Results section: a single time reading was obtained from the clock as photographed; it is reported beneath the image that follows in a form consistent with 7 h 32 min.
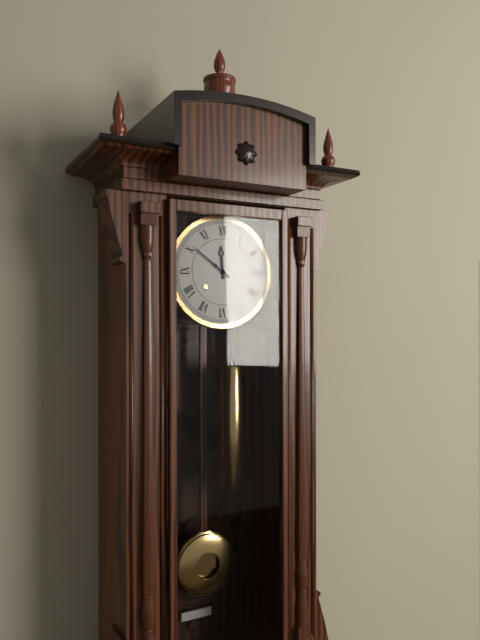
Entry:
11 h 51 min
